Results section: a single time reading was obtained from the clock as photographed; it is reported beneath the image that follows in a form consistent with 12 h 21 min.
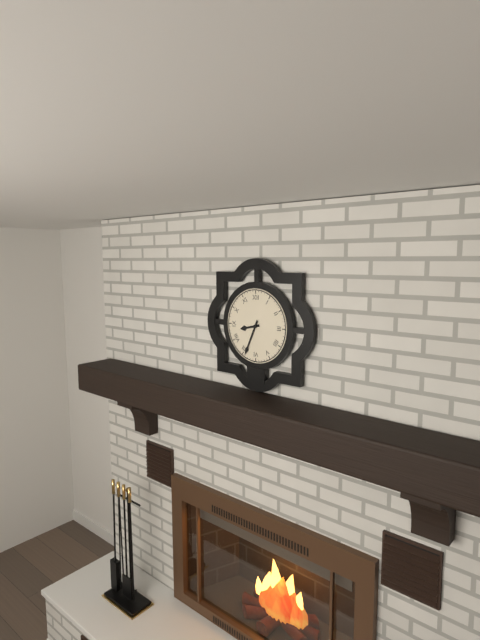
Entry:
8 h 34 min
